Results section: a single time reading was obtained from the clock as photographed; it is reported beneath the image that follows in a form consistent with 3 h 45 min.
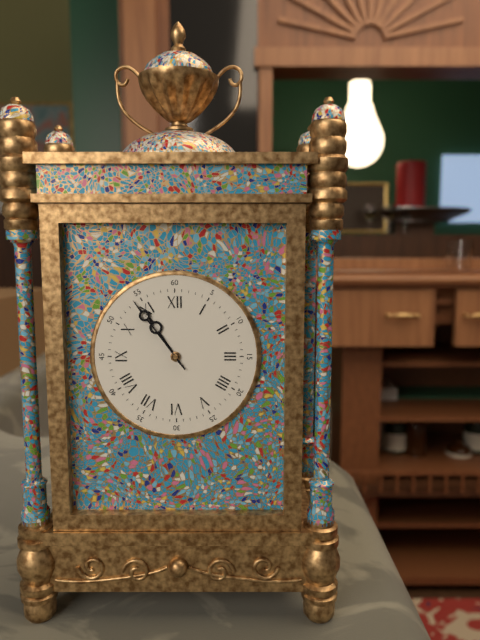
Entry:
10 h 54 min
